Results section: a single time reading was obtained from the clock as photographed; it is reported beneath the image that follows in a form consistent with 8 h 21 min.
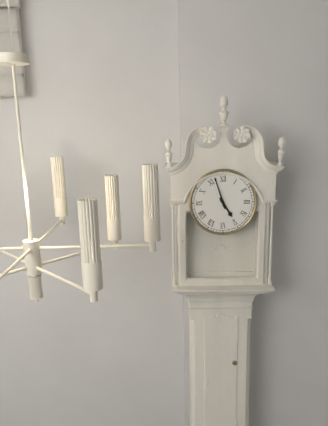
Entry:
4 h 57 min
